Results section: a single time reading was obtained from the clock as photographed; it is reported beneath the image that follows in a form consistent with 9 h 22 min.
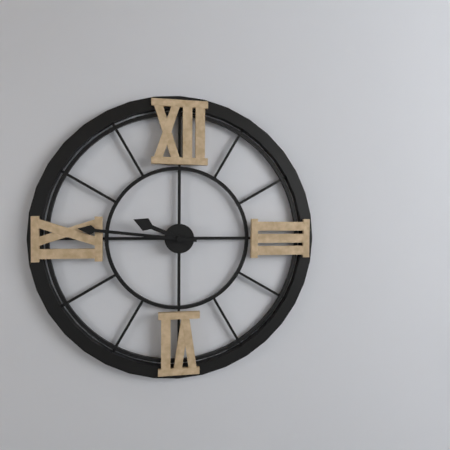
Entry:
9 h 46 min
